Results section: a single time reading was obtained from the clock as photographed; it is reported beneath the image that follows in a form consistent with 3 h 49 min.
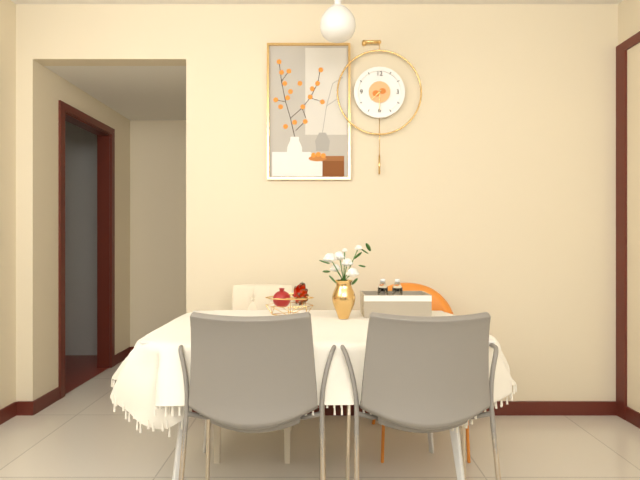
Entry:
7 h 30 min
